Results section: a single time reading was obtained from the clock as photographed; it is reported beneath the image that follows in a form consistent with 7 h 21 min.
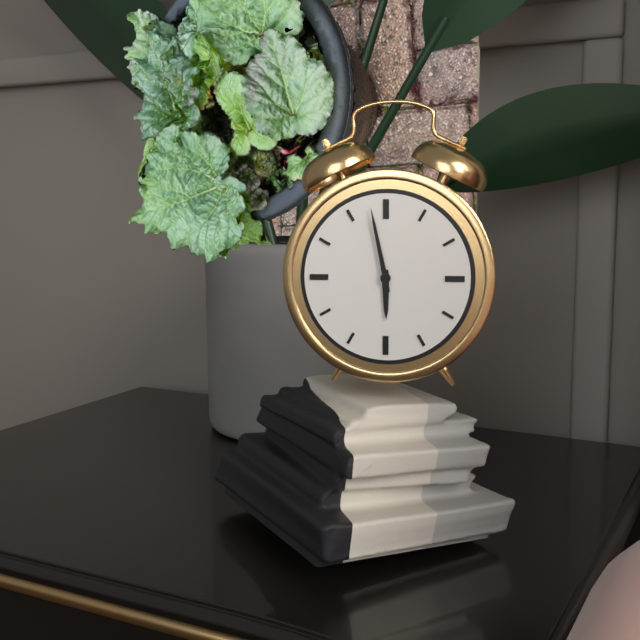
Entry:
5 h 58 min
